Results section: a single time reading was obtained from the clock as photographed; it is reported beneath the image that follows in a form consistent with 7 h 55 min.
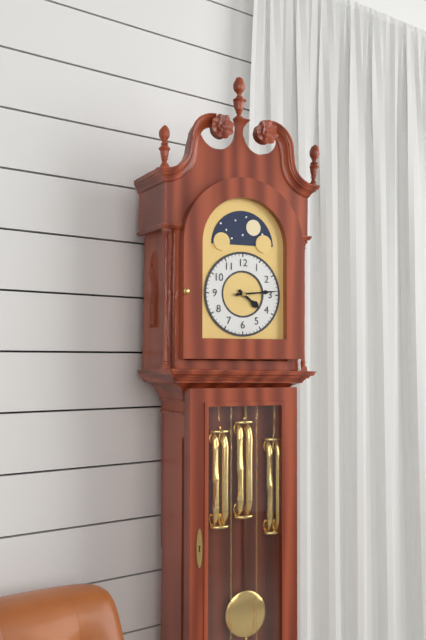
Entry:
4 h 14 min
